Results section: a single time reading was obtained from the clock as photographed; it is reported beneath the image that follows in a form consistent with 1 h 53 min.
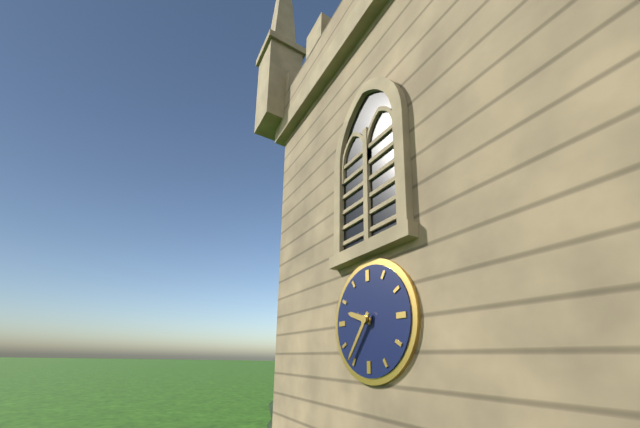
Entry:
9 h 36 min
